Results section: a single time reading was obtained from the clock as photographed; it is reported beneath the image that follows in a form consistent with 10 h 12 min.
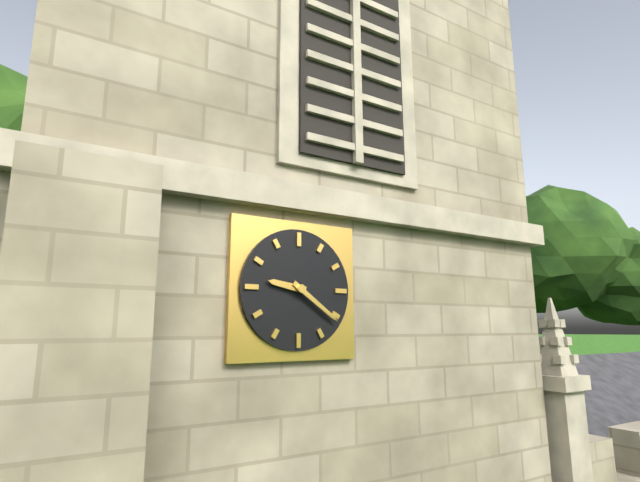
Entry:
9 h 21 min
